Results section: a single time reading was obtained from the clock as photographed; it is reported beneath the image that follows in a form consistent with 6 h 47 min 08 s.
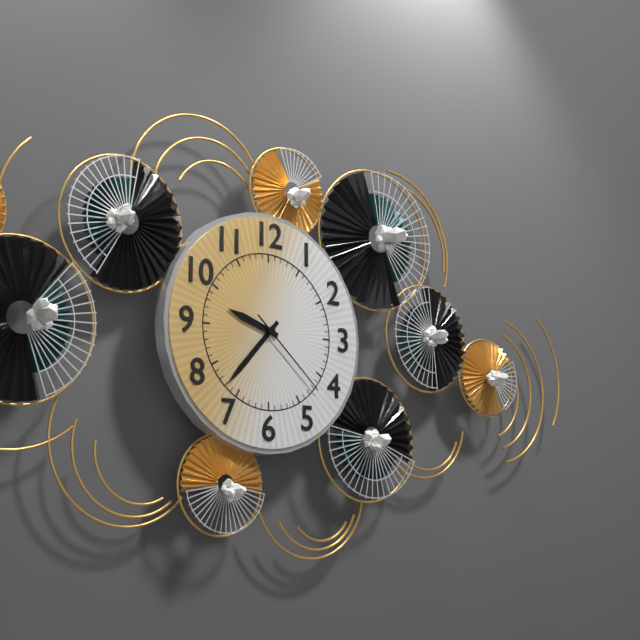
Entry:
9 h 37 min 22 s
